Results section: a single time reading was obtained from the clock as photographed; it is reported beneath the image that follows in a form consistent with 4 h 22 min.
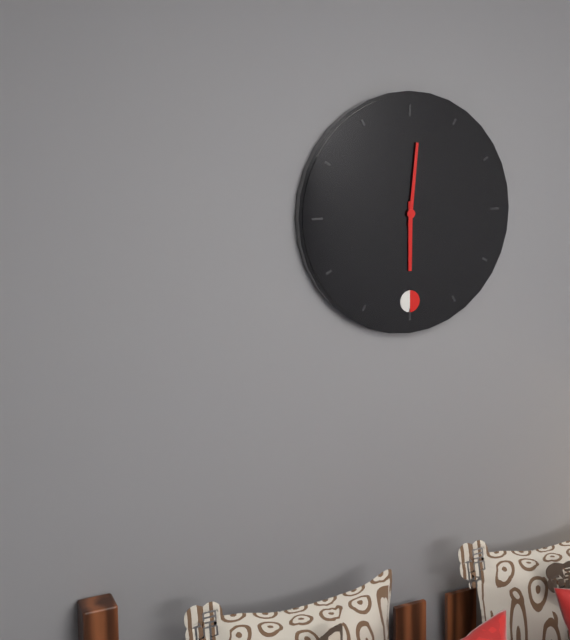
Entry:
6 h 01 min
